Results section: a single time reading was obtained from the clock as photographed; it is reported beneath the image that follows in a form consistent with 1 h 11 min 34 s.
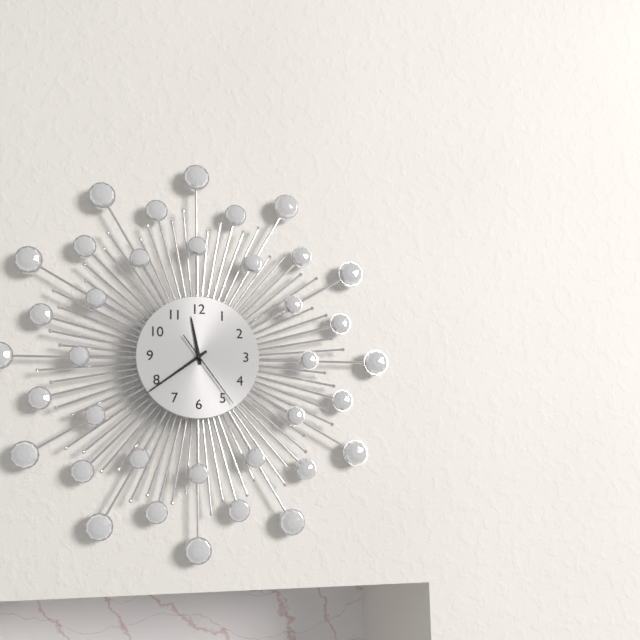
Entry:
11 h 39 min 24 s
